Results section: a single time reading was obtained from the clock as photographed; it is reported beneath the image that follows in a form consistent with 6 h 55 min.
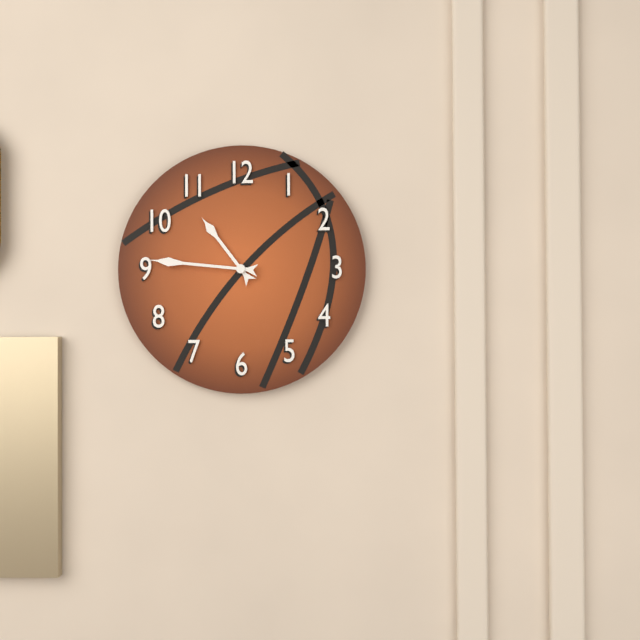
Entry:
10 h 46 min
